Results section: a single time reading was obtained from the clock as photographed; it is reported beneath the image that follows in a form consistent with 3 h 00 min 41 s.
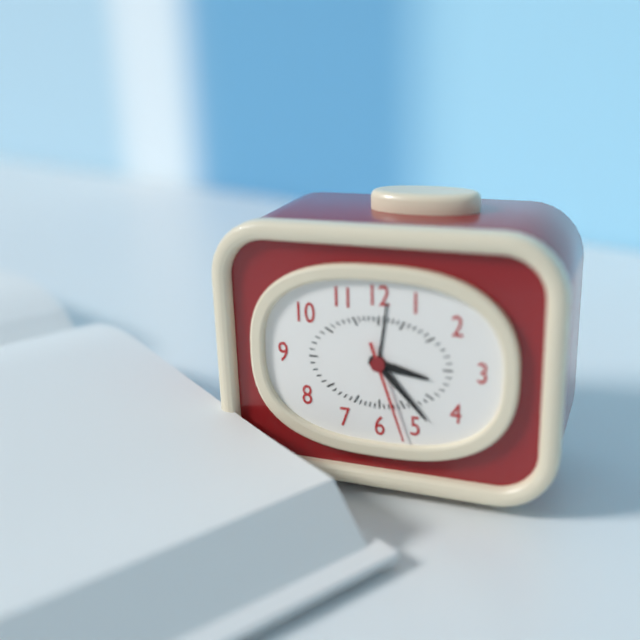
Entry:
3 h 23 min 27 s
